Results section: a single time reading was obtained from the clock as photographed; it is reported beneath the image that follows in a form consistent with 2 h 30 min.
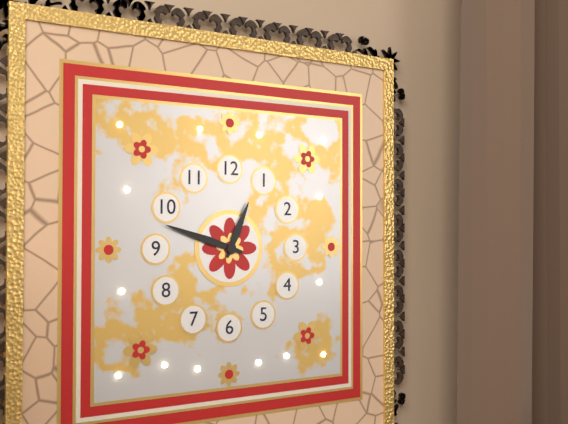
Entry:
12 h 48 min
